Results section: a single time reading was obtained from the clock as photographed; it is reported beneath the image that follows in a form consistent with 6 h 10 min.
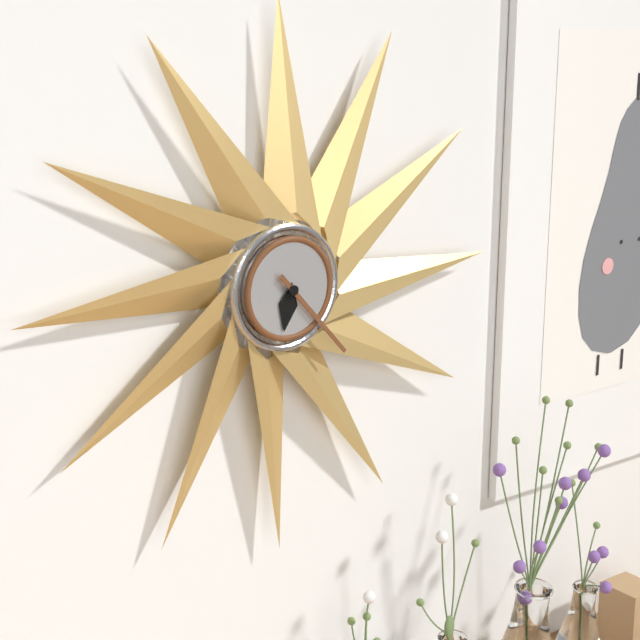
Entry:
6 h 23 min
